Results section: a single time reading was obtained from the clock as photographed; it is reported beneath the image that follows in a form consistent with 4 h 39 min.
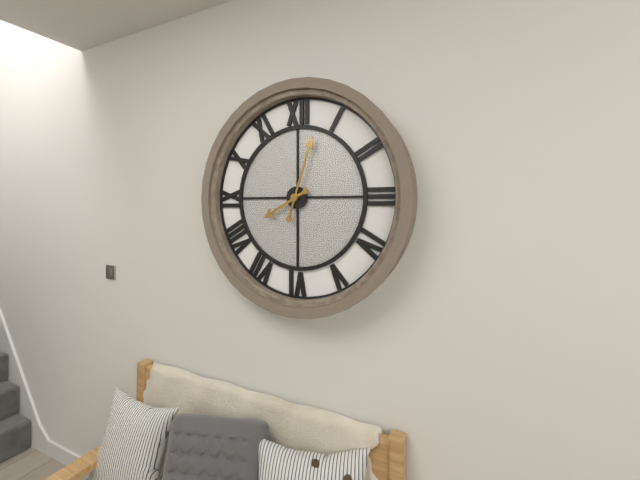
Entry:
8 h 03 min
